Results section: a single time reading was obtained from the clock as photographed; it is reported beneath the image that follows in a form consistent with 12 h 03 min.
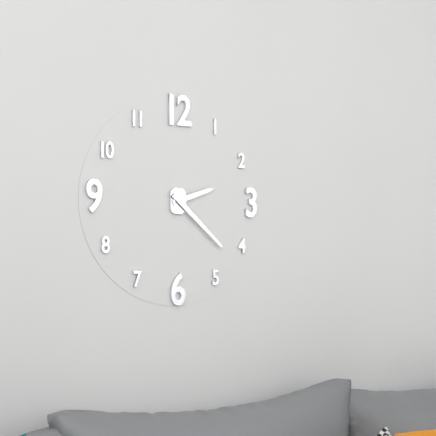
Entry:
2 h 22 min
